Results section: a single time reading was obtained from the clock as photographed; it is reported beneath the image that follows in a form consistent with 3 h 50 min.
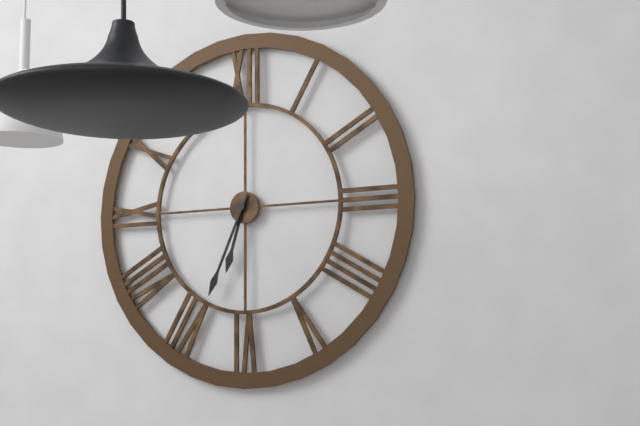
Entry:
6 h 34 min
